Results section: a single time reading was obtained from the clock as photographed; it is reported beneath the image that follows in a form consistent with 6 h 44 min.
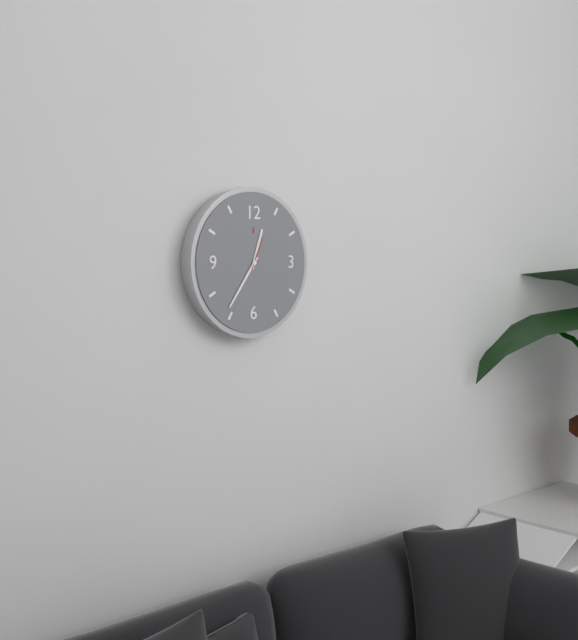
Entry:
12 h 36 min
